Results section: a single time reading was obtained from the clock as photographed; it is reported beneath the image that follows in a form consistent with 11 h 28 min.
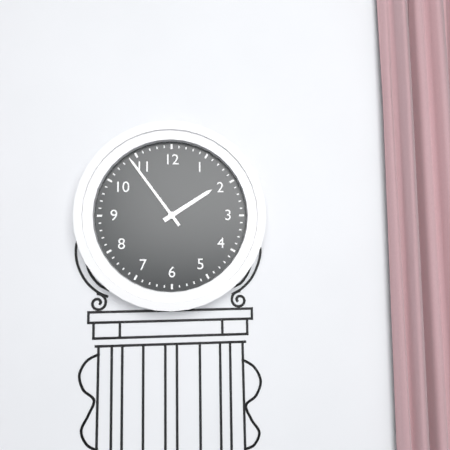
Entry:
1 h 54 min
